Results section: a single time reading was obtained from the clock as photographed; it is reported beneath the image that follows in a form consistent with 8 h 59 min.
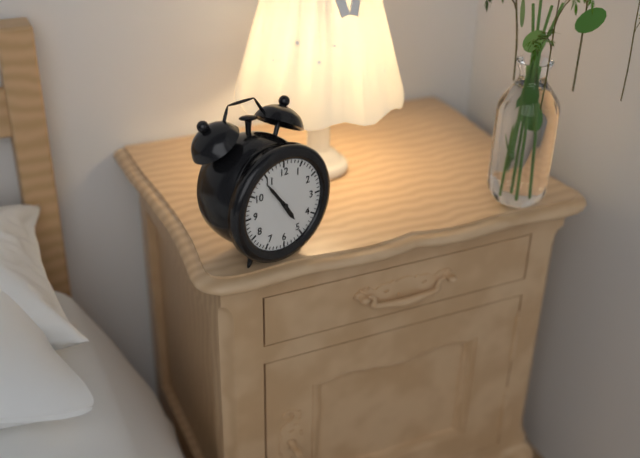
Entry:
4 h 54 min
